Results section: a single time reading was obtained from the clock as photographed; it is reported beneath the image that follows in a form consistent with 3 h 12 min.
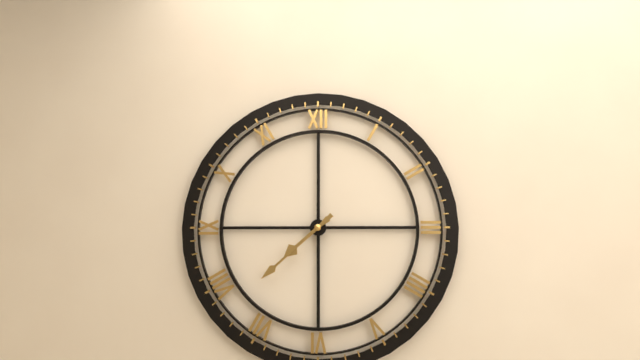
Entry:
7 h 38 min
